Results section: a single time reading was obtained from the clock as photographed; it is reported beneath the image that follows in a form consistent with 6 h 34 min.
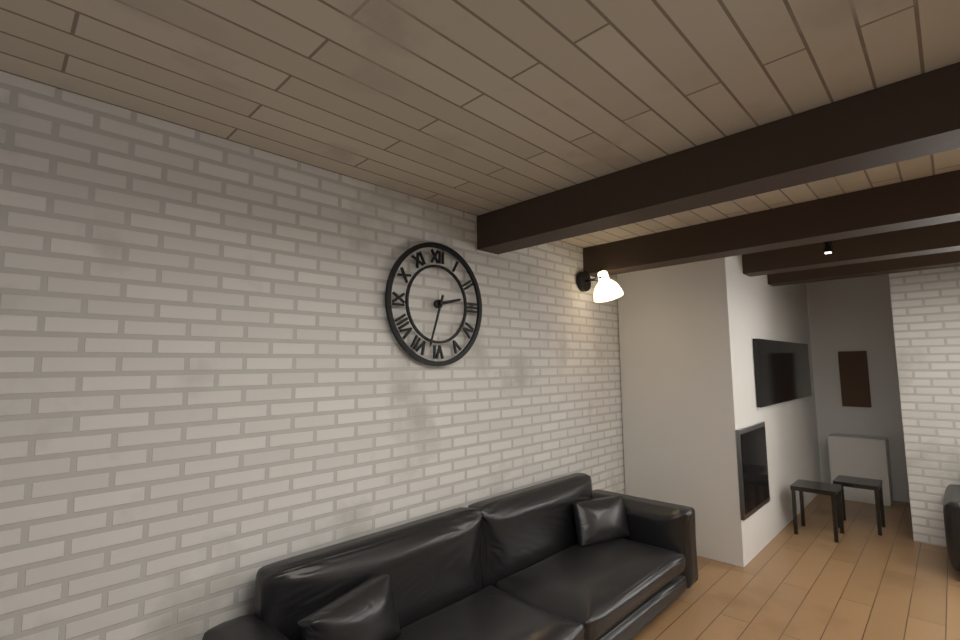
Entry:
2 h 33 min
